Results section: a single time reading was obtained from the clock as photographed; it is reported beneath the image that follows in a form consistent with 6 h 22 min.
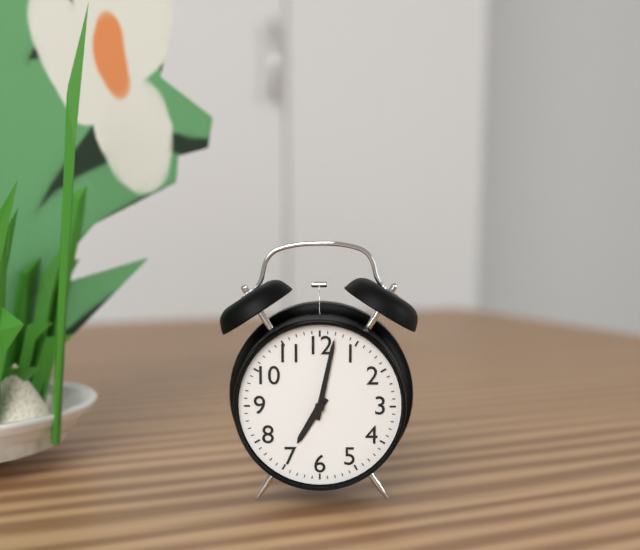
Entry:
7 h 02 min
